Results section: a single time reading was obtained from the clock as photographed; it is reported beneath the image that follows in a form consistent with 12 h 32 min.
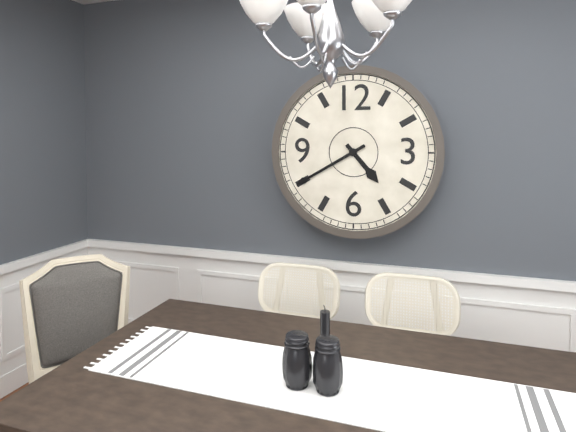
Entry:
4 h 40 min
